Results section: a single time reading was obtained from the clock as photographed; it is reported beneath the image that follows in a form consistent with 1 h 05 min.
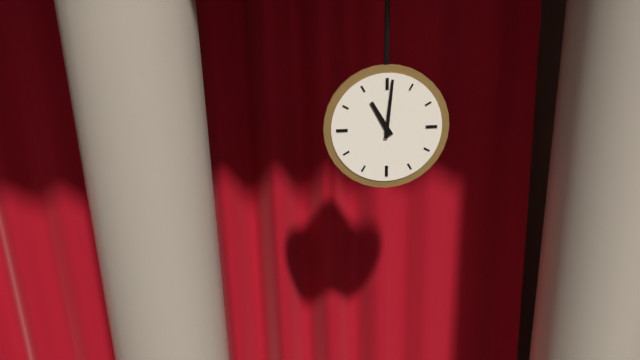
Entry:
11 h 01 min
